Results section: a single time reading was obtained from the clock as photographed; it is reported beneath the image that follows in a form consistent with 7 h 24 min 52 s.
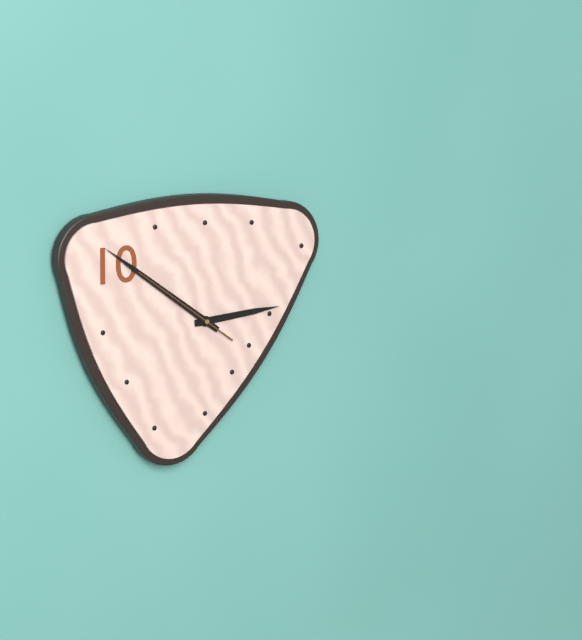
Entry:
2 h 51 min 51 s
